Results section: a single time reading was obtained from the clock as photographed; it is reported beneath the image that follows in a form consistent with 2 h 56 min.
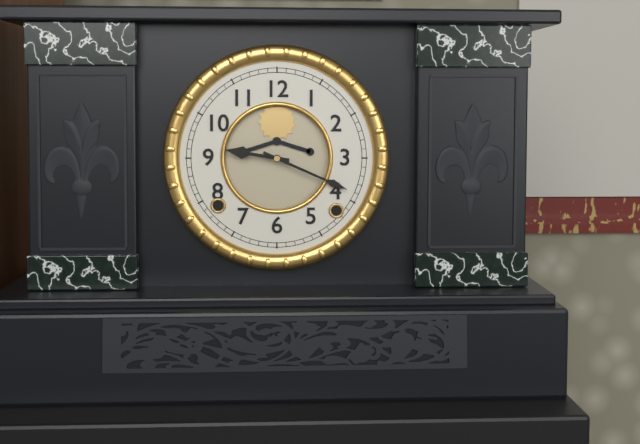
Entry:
9 h 19 min
